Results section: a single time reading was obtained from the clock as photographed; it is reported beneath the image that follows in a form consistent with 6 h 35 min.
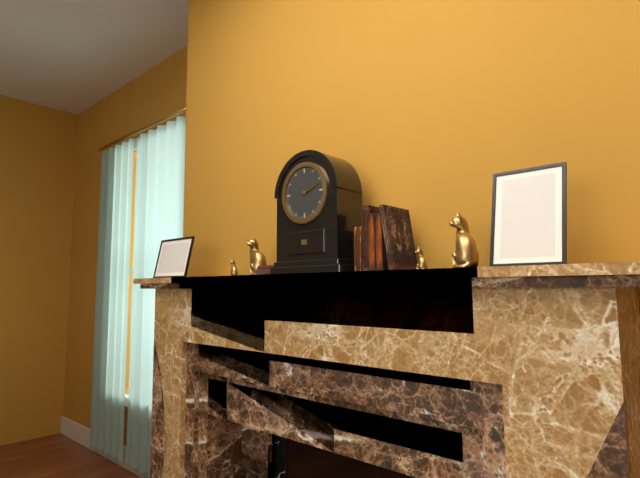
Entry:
2 h 12 min
